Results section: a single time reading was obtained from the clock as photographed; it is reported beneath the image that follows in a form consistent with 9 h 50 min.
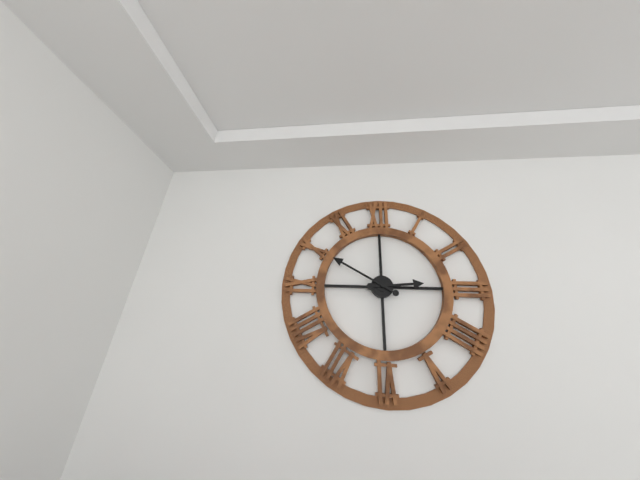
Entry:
2 h 50 min
